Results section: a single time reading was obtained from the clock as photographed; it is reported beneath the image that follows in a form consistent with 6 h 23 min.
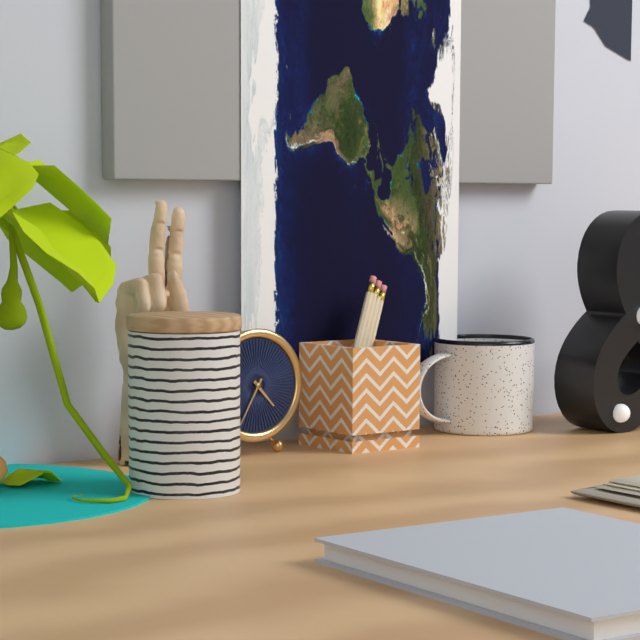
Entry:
4 h 35 min
